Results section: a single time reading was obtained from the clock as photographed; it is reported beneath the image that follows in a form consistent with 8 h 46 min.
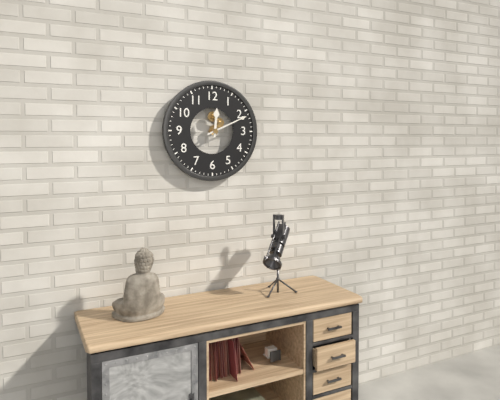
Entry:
12 h 11 min
